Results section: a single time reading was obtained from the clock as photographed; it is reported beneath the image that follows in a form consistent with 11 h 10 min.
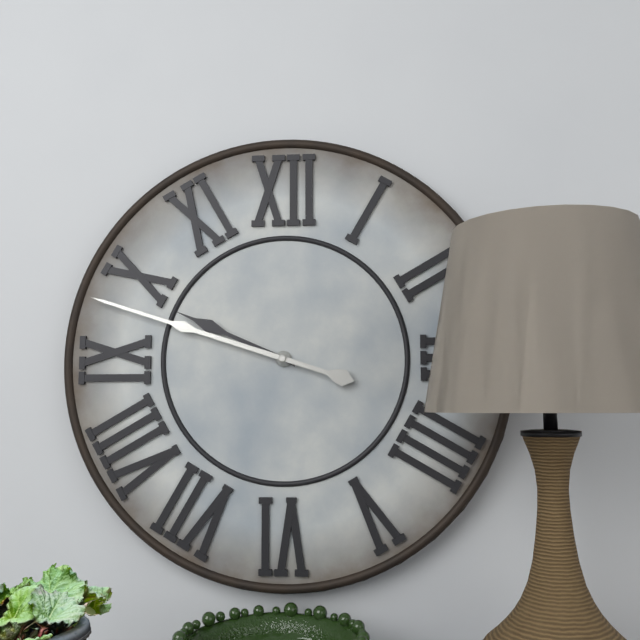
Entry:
9 h 48 min
